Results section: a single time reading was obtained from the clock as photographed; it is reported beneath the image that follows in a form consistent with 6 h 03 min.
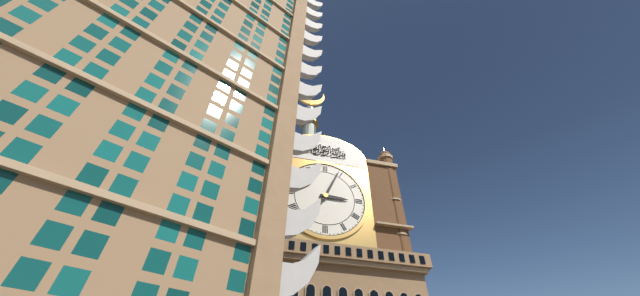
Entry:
3 h 04 min
